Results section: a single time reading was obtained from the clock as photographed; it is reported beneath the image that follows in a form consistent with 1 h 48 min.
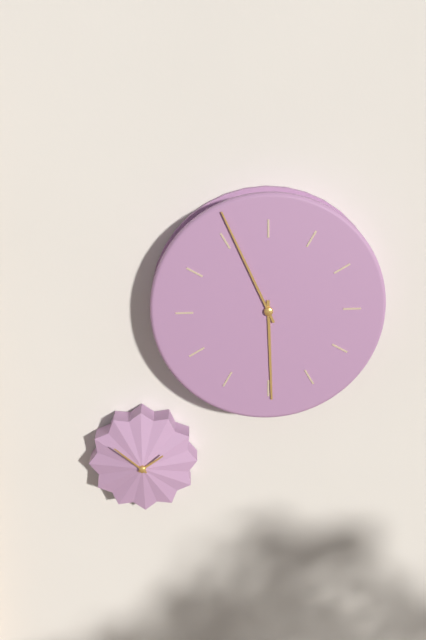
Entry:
5 h 56 min
